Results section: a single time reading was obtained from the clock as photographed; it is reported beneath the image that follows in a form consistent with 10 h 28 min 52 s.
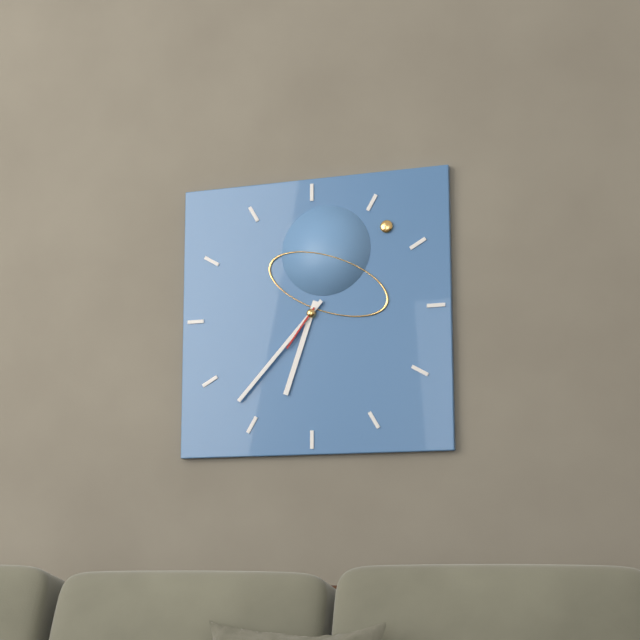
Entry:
6 h 37 min 36 s
